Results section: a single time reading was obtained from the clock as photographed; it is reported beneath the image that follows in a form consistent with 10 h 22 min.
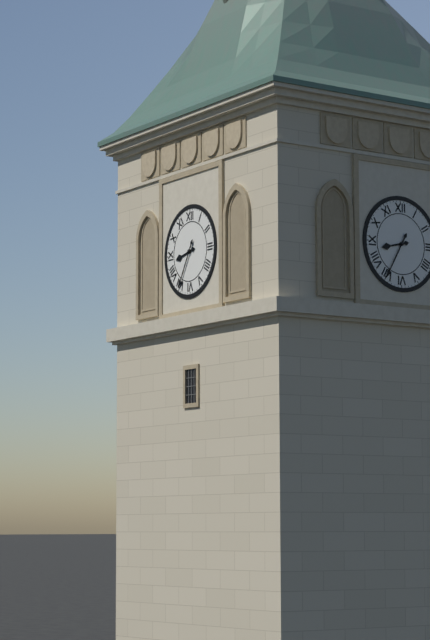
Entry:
8 h 35 min
